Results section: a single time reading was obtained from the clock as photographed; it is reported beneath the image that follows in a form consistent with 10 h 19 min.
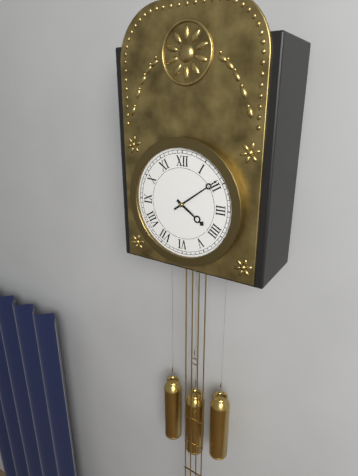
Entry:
4 h 09 min
